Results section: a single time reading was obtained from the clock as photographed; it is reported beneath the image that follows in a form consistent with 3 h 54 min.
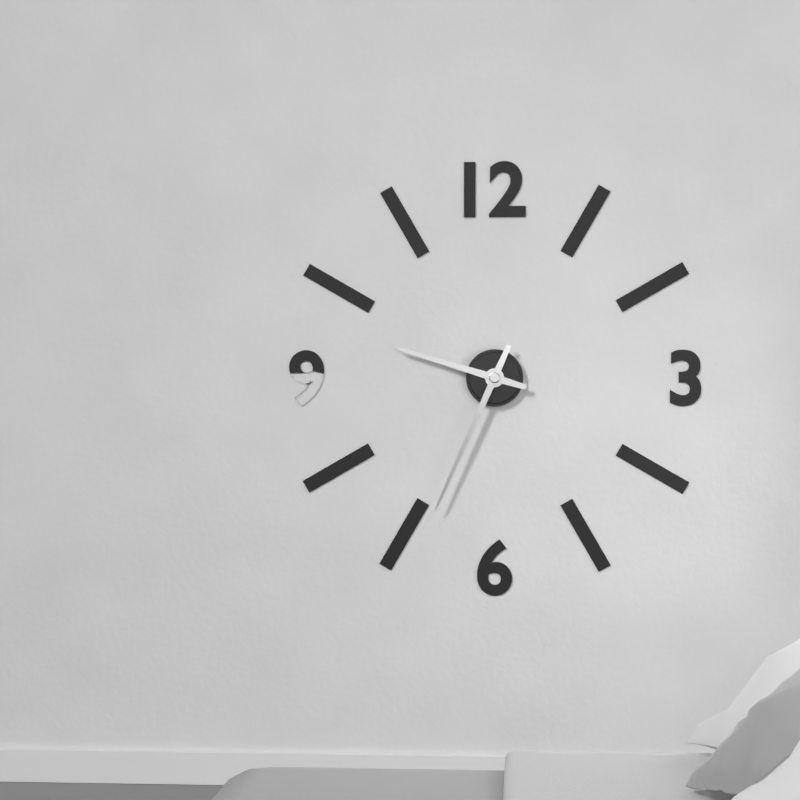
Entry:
9 h 34 min
